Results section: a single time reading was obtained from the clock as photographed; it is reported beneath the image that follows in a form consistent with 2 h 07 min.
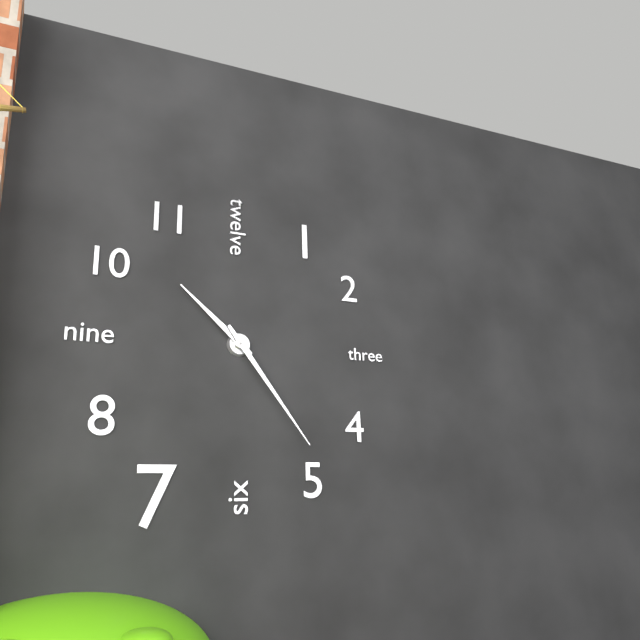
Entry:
10 h 24 min
